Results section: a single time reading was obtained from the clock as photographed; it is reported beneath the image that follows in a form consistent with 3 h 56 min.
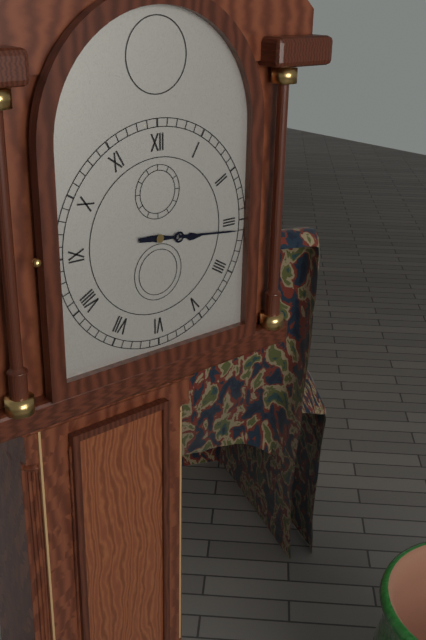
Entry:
3 h 16 min
